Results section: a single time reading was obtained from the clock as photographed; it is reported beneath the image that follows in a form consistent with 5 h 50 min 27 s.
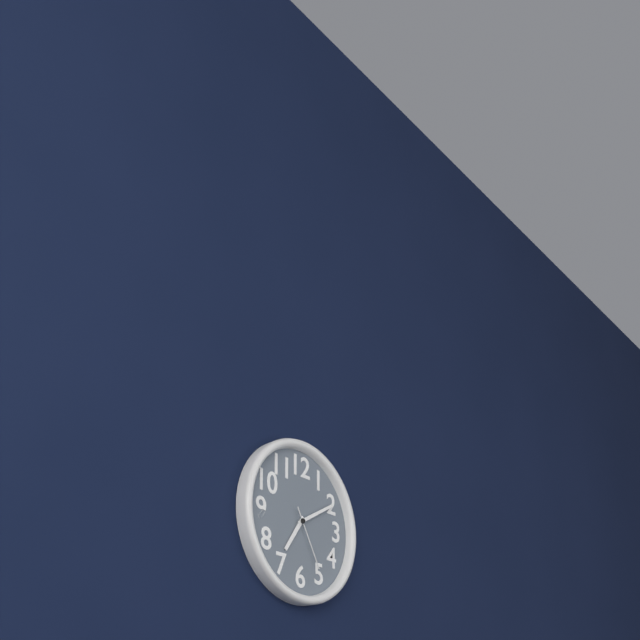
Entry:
7 h 10 min 25 s
